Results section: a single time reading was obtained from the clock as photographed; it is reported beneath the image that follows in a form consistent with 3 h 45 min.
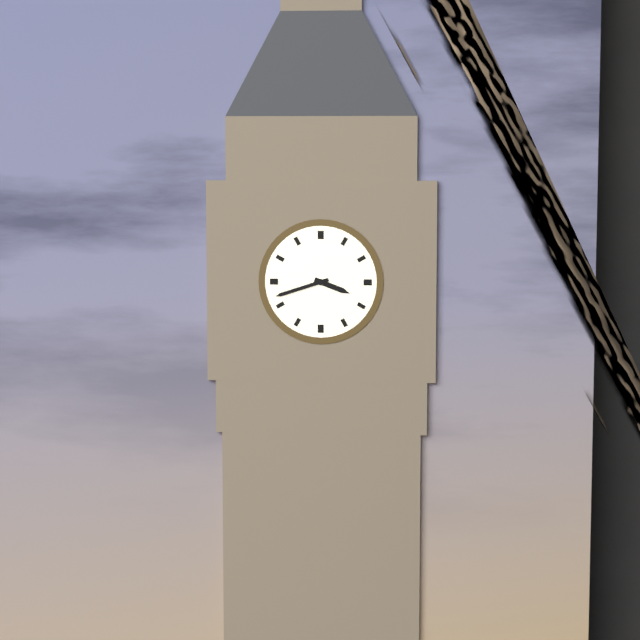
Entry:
3 h 42 min
